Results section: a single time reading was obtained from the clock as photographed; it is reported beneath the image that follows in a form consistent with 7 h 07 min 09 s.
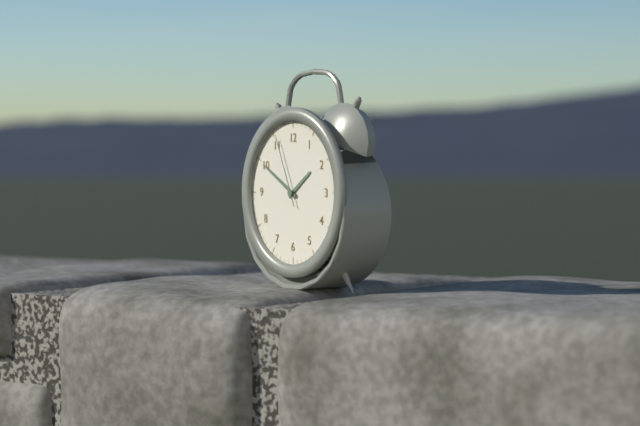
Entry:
1 h 50 min 56 s
